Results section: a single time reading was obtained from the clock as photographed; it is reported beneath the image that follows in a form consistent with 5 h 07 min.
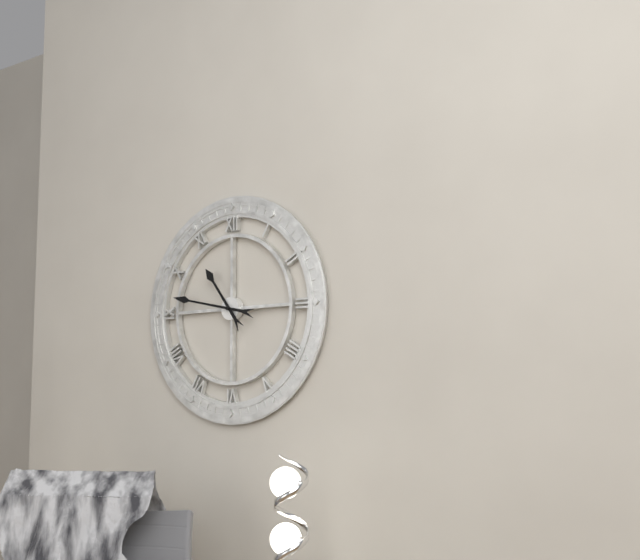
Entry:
10 h 47 min
